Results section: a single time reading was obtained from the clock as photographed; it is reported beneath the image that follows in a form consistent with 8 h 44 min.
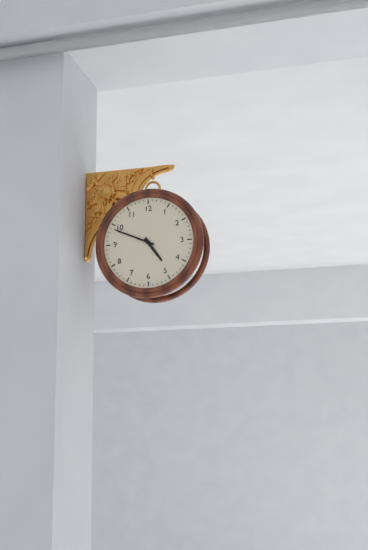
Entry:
4 h 49 min
